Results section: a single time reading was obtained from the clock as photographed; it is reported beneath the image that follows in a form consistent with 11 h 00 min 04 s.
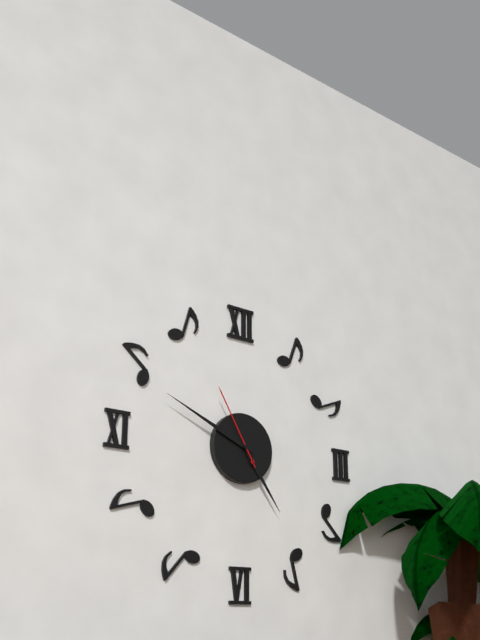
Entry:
4 h 49 min 55 s
